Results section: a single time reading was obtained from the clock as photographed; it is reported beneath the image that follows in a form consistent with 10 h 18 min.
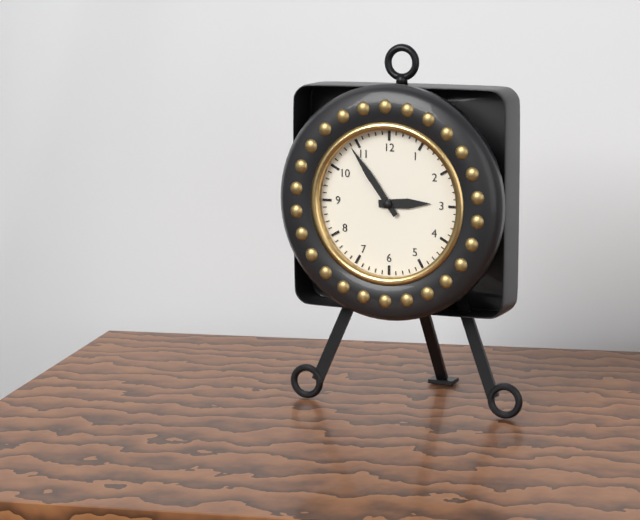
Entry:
2 h 54 min
